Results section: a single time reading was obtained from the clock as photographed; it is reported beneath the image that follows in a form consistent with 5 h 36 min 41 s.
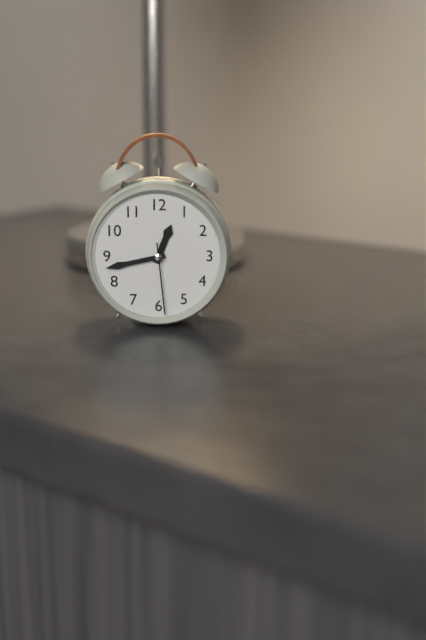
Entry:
12 h 43 min 29 s
